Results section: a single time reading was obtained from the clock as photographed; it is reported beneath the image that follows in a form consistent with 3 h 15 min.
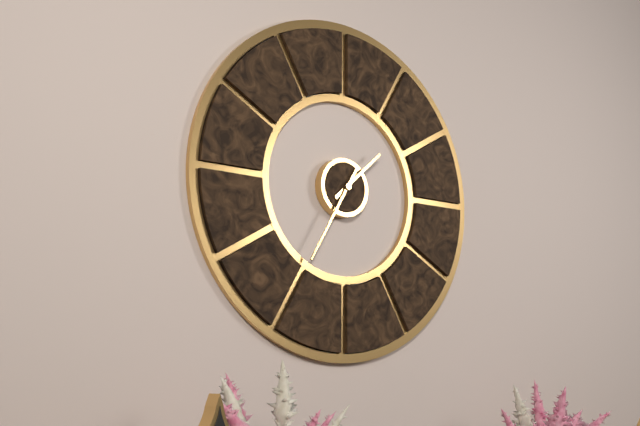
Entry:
1 h 35 min
